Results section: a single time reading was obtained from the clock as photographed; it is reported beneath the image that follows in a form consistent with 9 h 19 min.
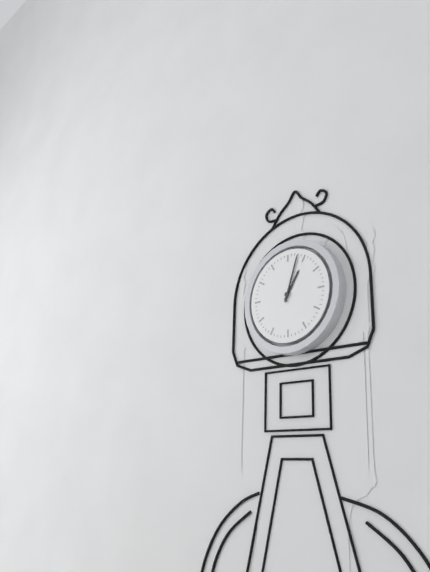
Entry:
1 h 03 min
